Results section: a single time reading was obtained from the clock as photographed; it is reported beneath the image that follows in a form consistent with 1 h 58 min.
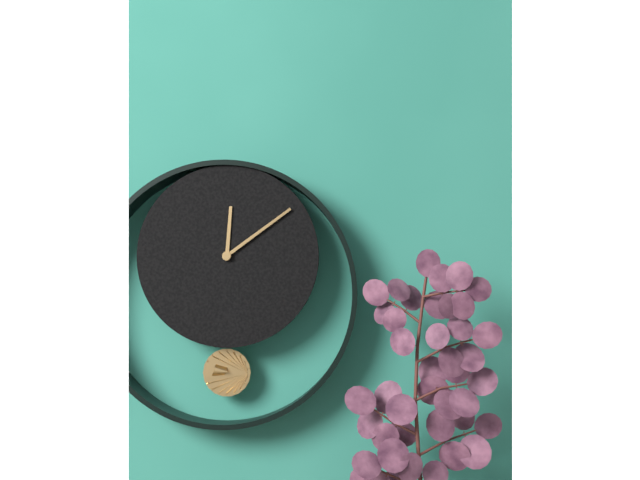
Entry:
12 h 09 min
